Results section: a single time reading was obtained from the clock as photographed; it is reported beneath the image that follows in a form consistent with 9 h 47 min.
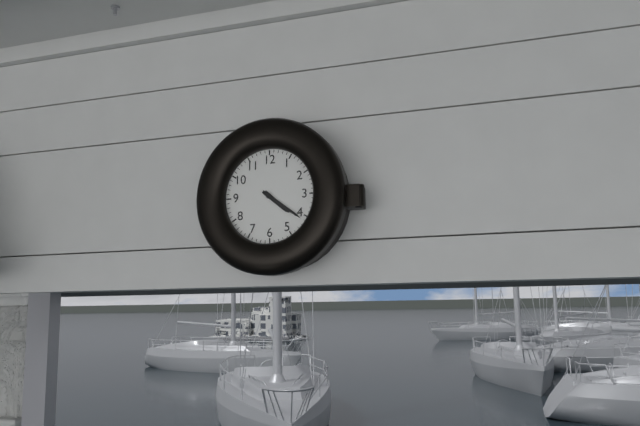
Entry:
4 h 21 min
